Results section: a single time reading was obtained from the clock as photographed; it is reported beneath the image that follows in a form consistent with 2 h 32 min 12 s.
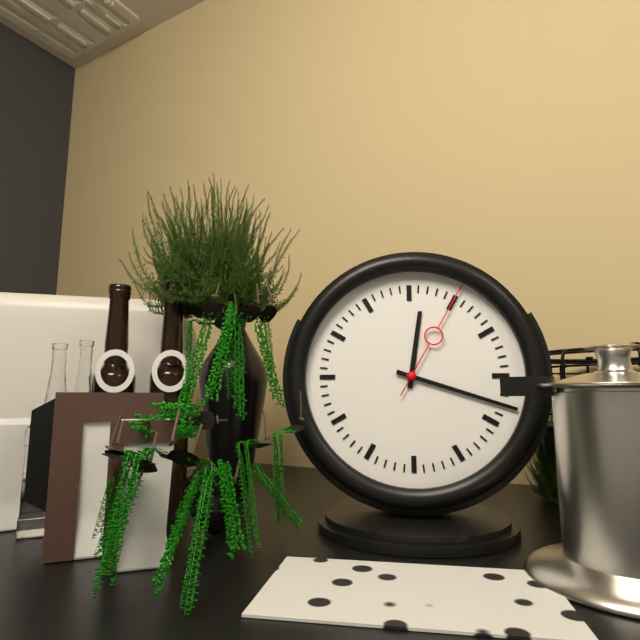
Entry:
12 h 18 min 05 s
